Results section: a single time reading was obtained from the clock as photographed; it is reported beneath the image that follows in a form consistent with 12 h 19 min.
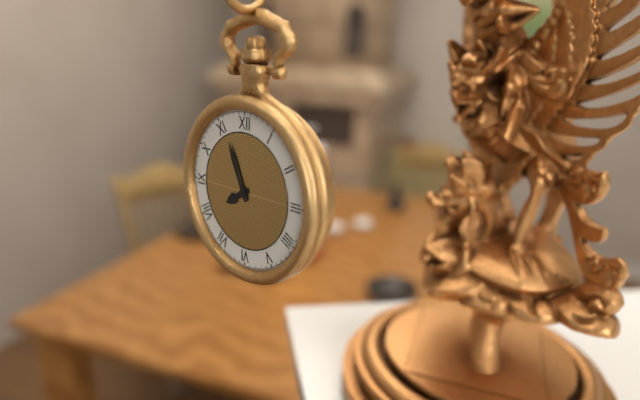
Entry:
7 h 56 min
